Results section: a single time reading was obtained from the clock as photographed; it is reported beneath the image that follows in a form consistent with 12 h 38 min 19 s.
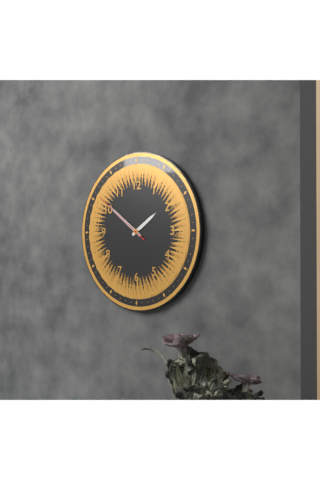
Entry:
1 h 51 min 51 s
